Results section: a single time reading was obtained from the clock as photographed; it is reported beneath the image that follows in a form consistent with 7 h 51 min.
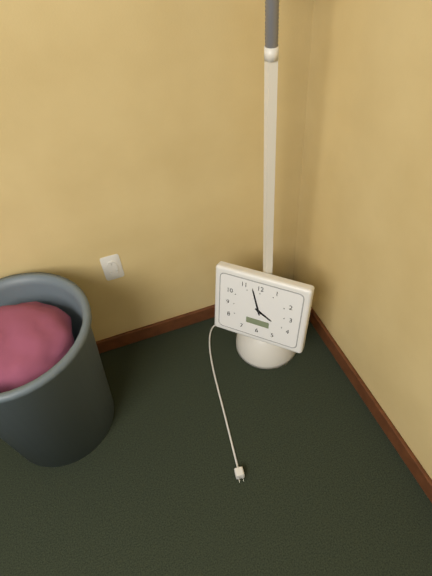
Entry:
3 h 57 min
